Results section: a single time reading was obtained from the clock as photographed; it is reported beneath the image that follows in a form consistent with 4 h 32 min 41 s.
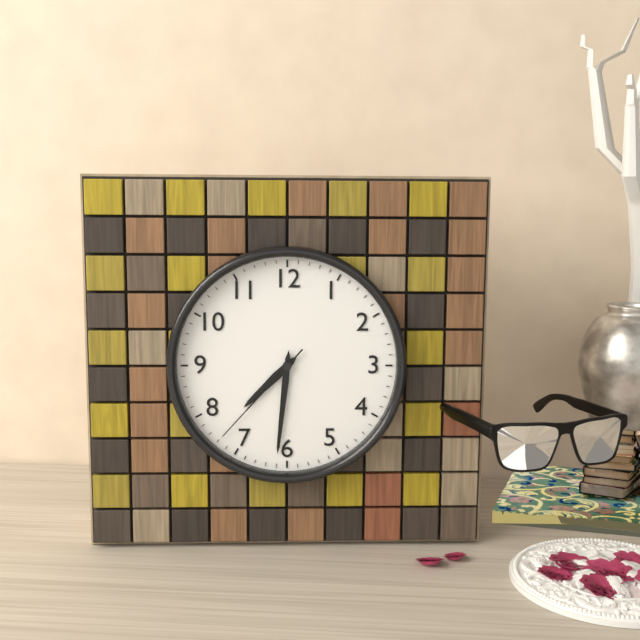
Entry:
7 h 31 min 37 s
